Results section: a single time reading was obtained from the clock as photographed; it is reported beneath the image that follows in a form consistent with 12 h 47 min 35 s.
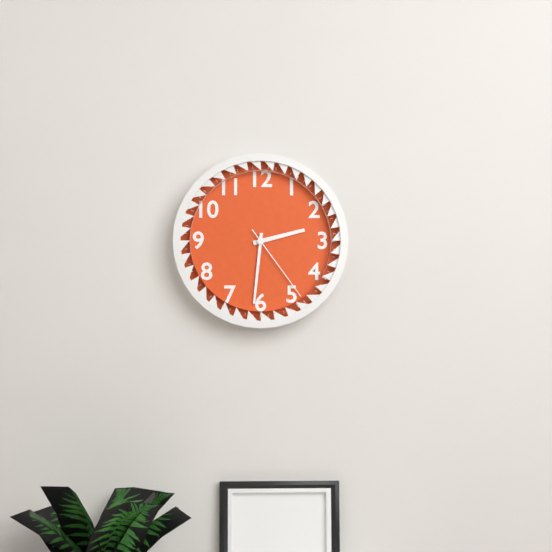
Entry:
2 h 31 min 24 s
